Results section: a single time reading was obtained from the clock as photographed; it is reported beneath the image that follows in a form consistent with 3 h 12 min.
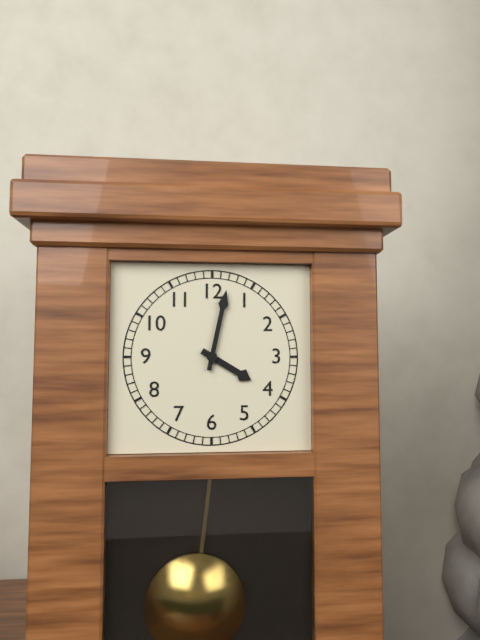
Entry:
4 h 02 min
